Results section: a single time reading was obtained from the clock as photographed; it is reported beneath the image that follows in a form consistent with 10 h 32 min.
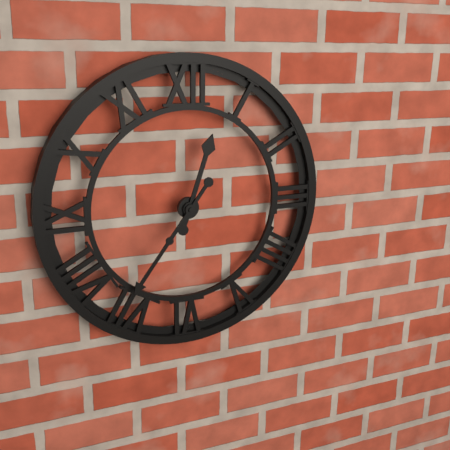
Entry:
12 h 36 min
